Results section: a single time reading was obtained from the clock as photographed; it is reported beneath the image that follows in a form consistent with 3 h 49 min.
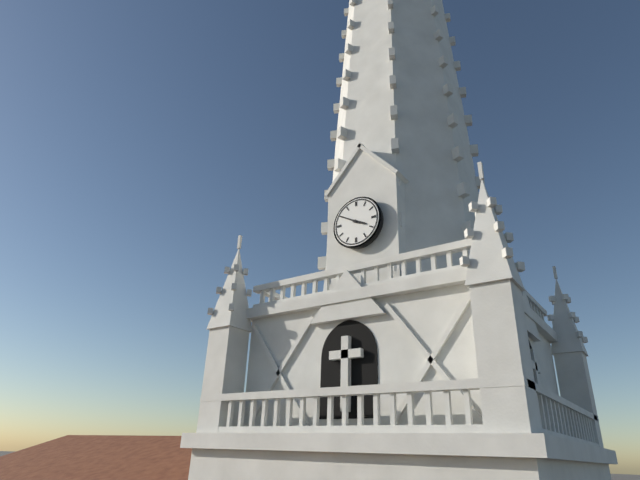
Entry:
3 h 50 min
